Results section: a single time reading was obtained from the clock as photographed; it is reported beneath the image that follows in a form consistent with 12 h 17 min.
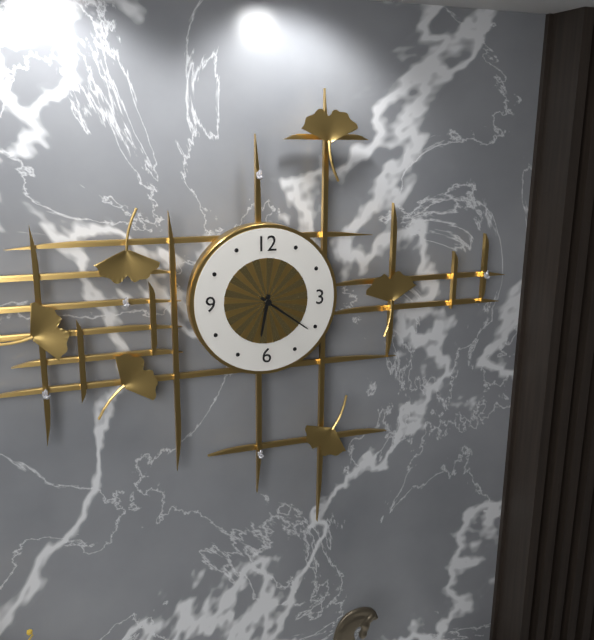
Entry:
6 h 21 min
